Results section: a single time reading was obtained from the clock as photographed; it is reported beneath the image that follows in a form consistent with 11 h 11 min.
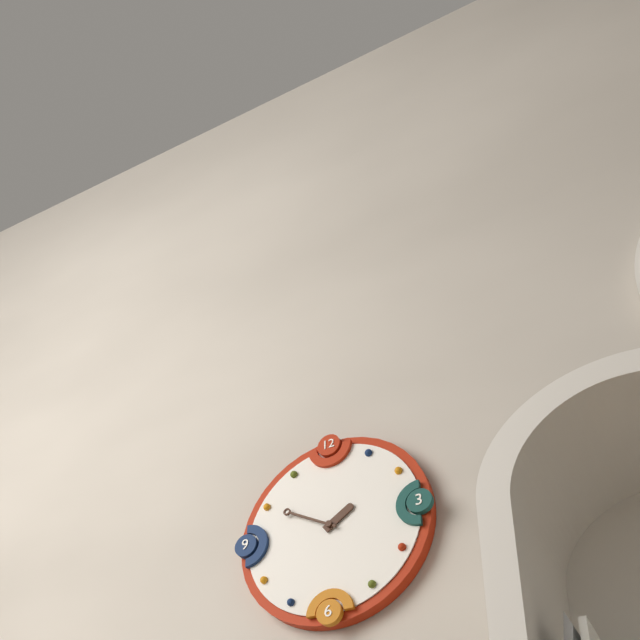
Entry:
1 h 50 min
